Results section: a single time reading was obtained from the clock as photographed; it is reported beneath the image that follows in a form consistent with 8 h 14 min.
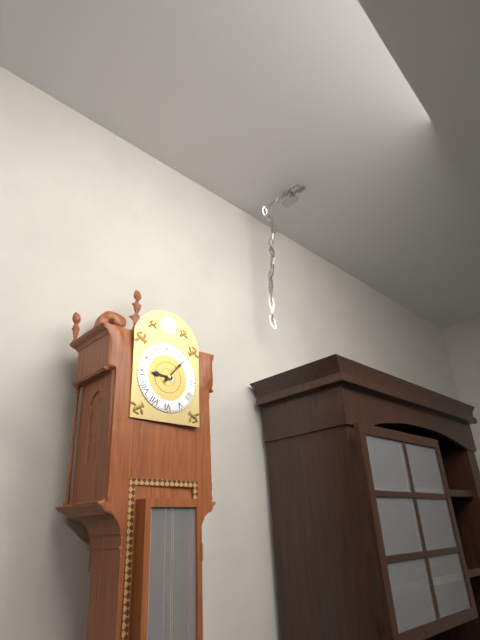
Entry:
9 h 07 min
